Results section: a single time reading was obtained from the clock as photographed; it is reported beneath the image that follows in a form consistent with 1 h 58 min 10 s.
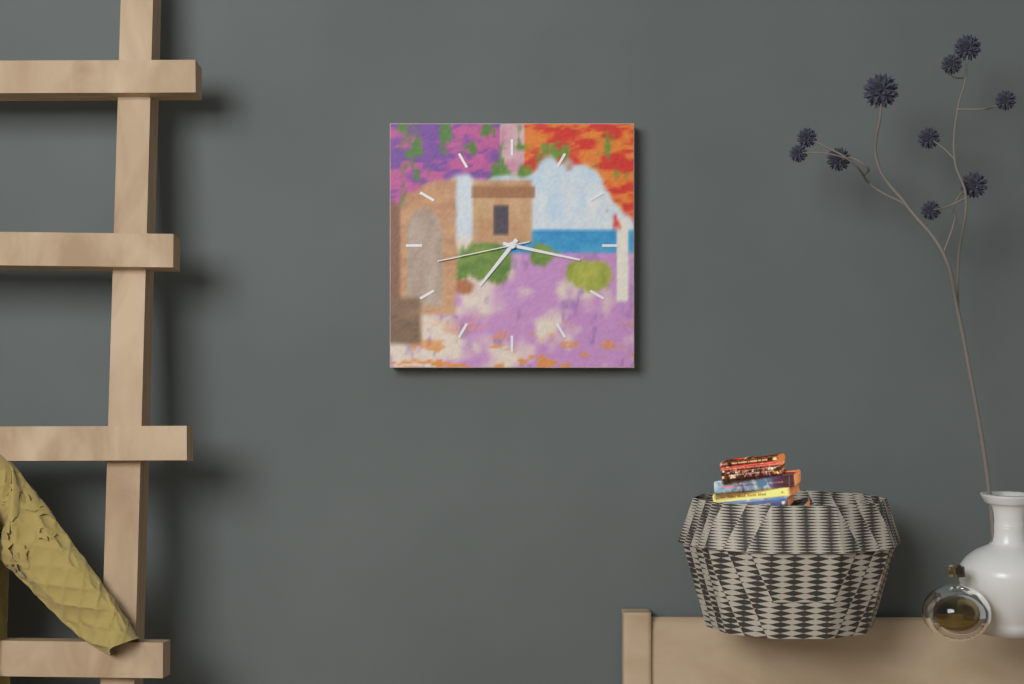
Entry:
7 h 17 min 43 s
